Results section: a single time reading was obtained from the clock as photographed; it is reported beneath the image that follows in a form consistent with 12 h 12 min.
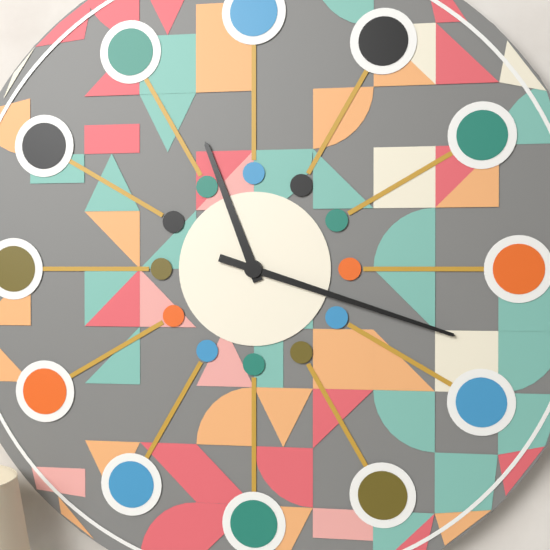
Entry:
11 h 18 min
